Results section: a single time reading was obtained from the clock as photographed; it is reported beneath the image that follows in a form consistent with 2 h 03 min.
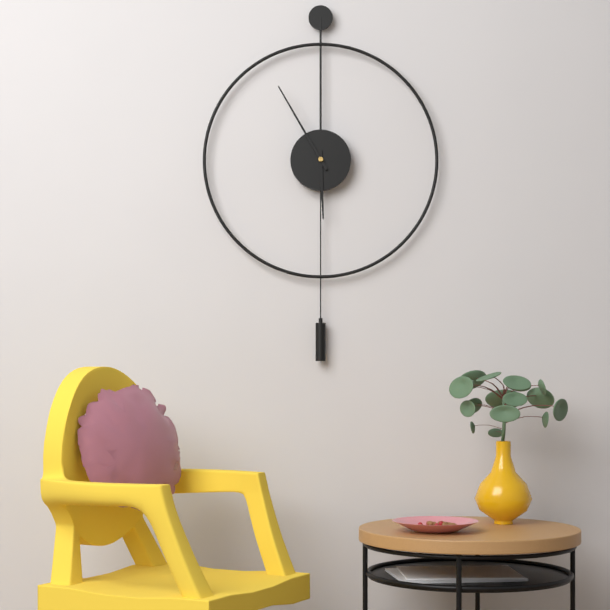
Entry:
5 h 55 min
